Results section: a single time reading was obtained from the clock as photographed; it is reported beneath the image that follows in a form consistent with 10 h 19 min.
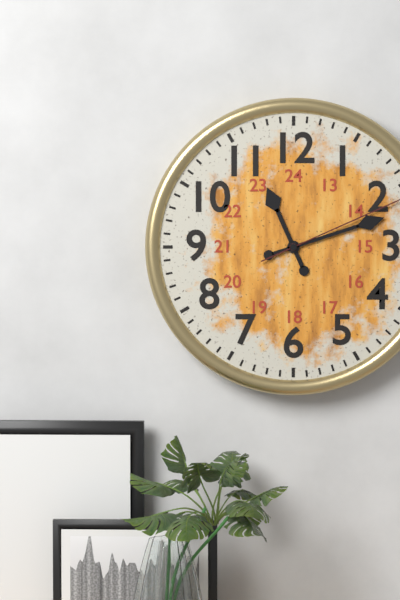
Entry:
11 h 12 min
